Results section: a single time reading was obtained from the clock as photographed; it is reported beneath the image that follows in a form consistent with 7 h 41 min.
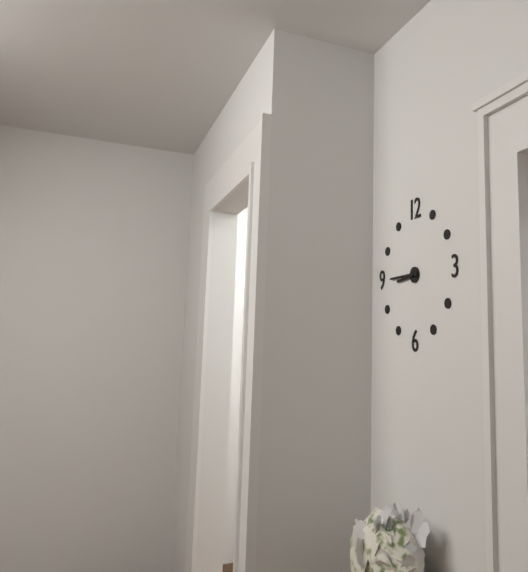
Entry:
8 h 45 min
